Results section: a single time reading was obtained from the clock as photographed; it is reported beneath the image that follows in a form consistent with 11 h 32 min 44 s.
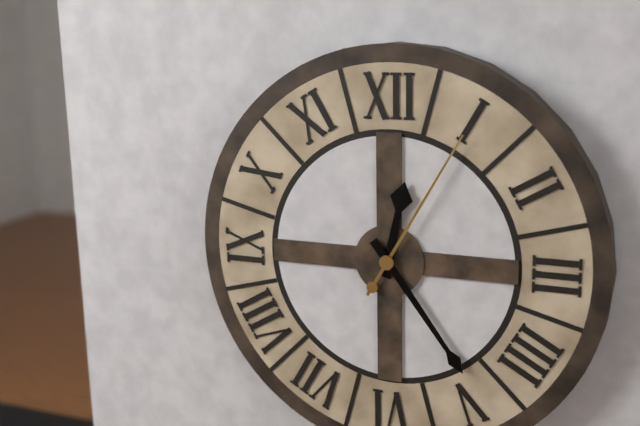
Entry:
12 h 24 min 05 s
